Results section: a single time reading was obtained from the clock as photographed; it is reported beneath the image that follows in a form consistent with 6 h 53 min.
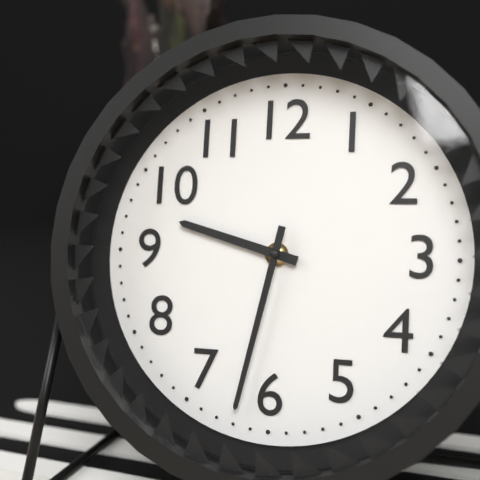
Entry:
9 h 32 min
